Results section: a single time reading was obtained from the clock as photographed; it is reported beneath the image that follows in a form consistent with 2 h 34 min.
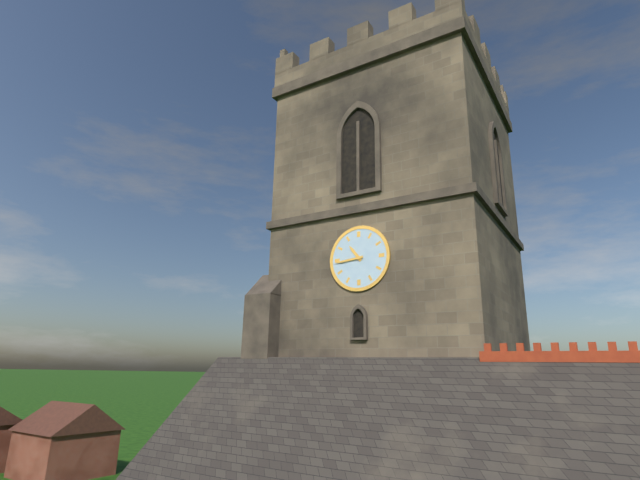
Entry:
10 h 44 min
